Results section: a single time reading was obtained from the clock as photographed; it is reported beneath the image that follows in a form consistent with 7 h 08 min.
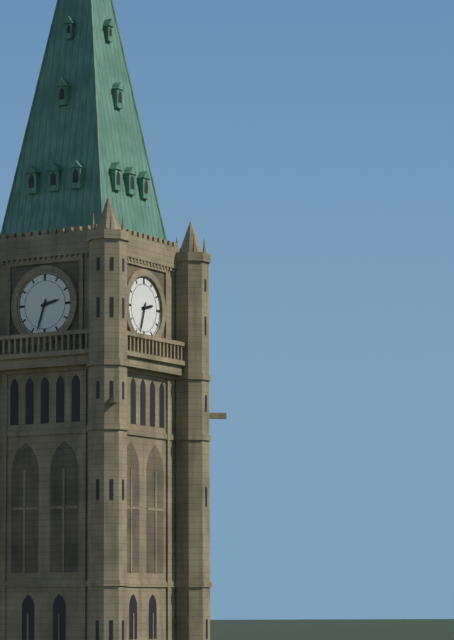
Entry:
2 h 33 min
